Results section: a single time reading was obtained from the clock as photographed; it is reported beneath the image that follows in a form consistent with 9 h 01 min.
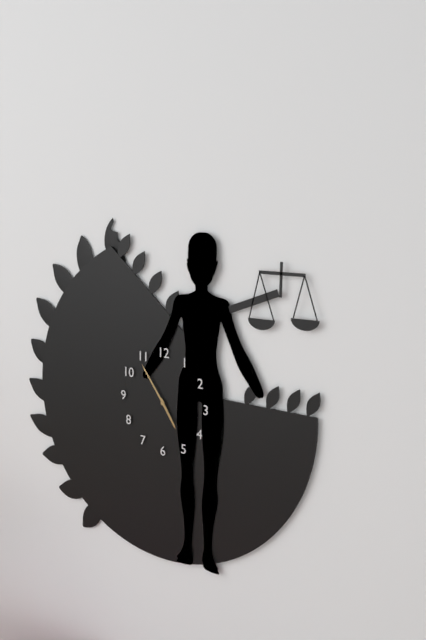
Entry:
4 h 54 min
